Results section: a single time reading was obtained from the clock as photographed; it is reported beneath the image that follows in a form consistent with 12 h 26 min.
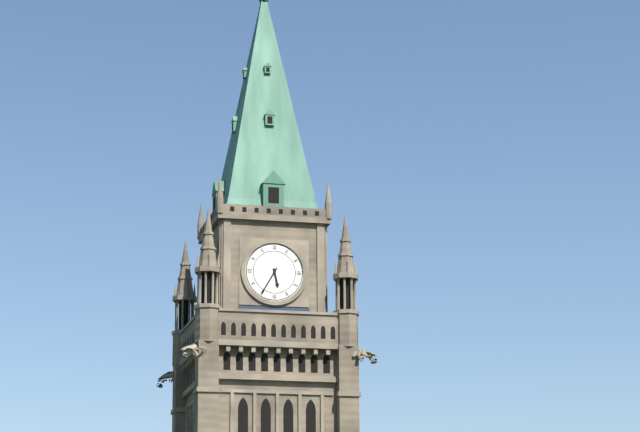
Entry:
5 h 35 min
